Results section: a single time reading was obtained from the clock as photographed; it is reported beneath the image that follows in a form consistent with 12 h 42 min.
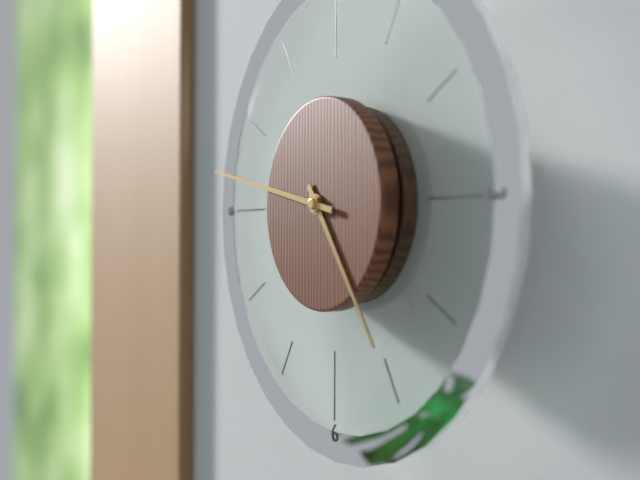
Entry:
4 h 47 min
